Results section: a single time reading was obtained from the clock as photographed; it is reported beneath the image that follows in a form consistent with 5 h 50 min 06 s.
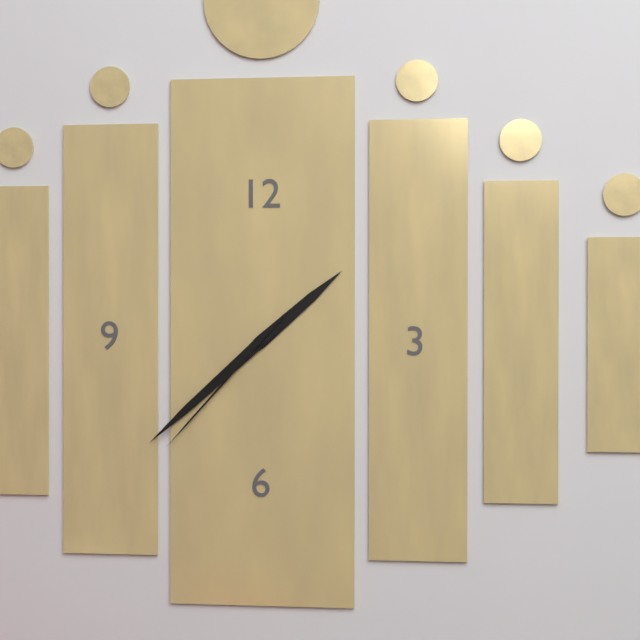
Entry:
1 h 38 min 37 s
